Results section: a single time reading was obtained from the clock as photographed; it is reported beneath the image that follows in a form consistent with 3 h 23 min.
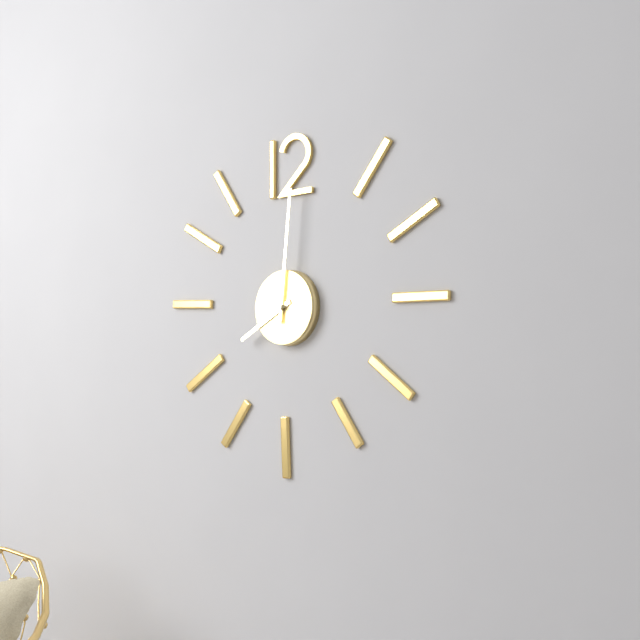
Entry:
8 h 01 min
